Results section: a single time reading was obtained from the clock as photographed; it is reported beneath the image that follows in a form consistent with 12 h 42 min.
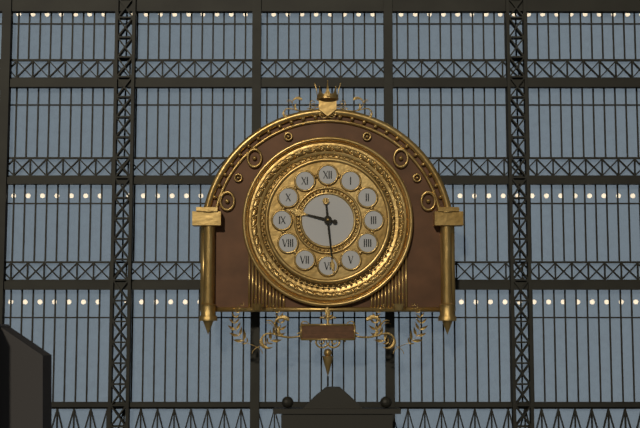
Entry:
9 h 29 min
